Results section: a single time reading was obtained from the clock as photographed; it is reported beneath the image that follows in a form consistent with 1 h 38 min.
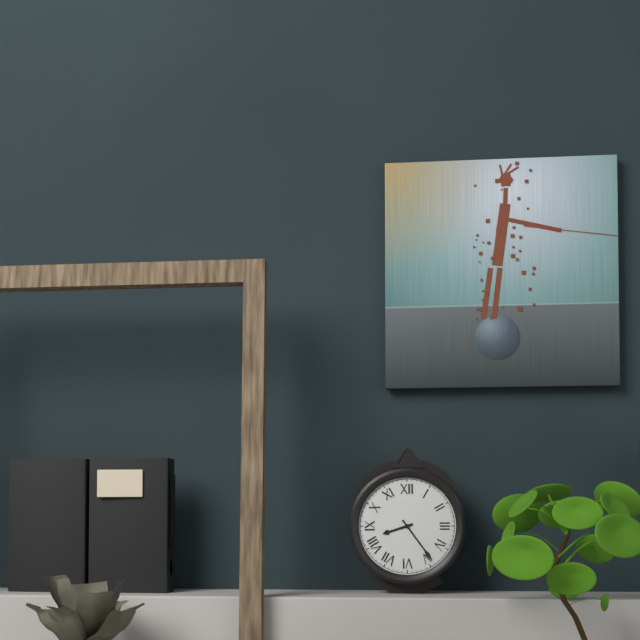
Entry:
8 h 24 min
